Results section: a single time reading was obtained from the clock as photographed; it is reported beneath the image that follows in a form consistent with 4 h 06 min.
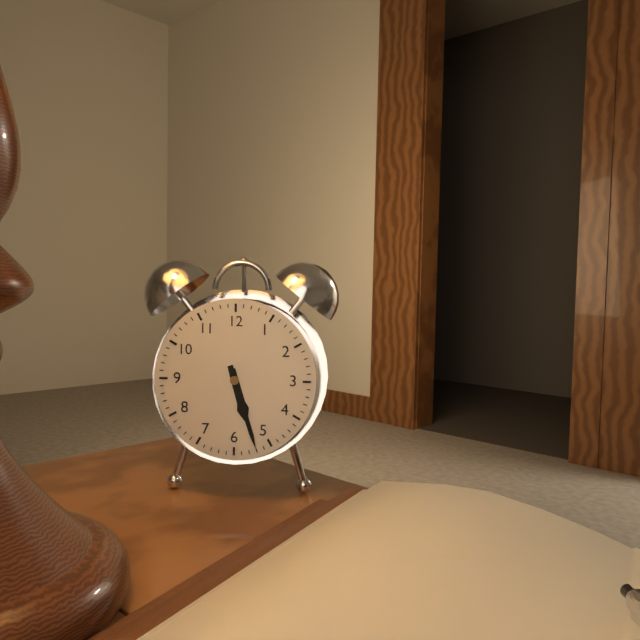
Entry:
5 h 27 min
